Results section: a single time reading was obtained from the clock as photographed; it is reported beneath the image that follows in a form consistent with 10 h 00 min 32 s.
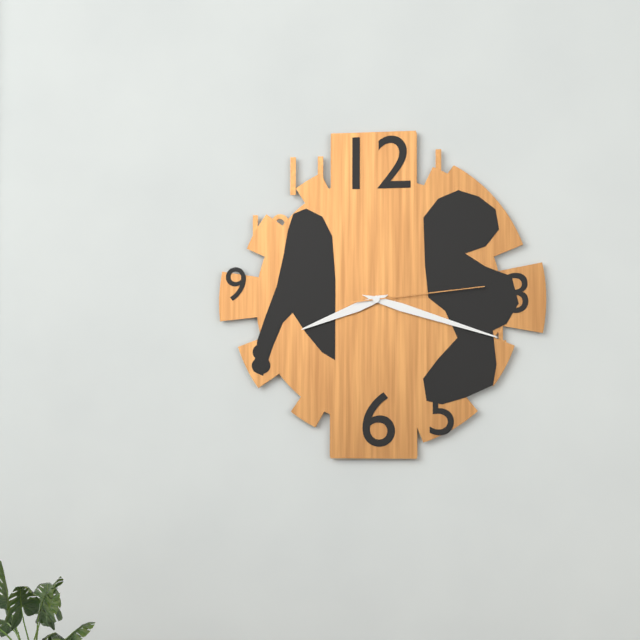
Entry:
8 h 18 min 14 s
